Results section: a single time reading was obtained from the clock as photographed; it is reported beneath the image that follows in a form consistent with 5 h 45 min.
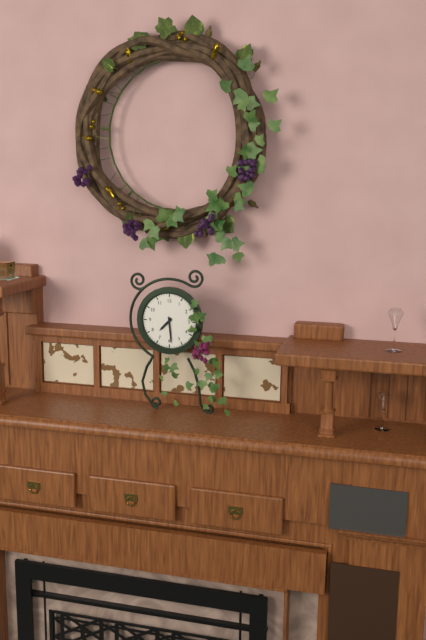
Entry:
7 h 29 min
